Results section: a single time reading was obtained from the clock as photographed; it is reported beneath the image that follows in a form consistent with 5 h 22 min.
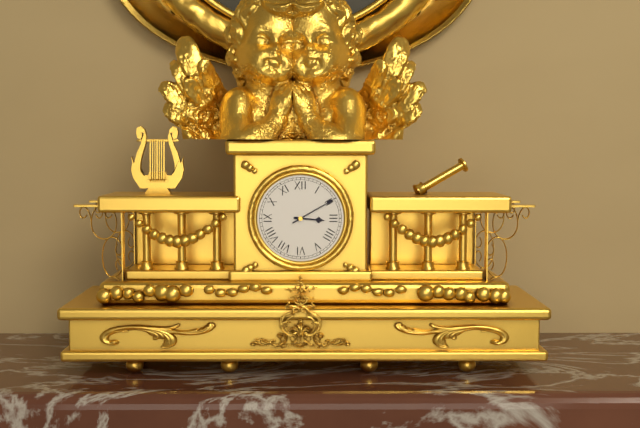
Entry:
3 h 10 min
